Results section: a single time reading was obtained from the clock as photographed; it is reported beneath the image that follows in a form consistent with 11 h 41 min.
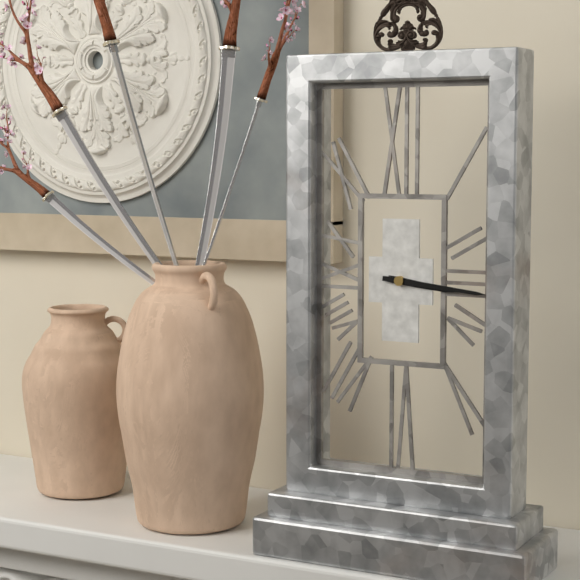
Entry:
3 h 16 min
